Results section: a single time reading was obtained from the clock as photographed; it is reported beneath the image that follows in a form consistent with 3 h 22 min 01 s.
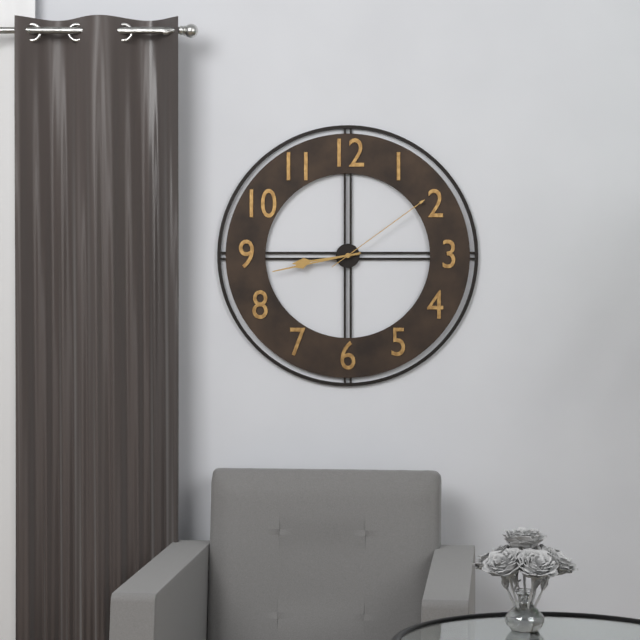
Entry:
8 h 43 min 09 s
